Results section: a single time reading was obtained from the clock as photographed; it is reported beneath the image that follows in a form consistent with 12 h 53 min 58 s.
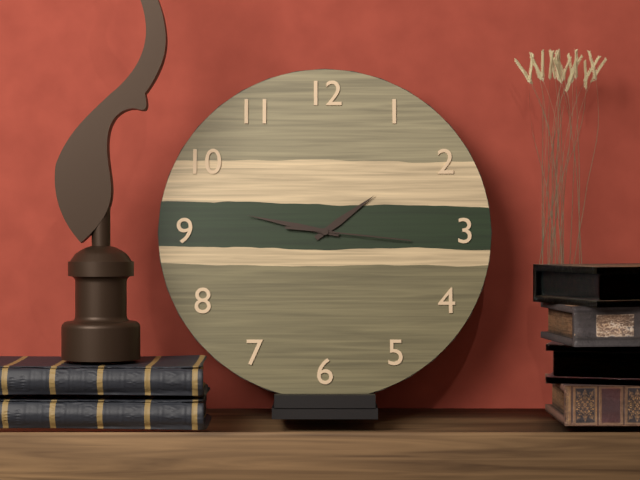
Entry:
1 h 47 min 16 s
